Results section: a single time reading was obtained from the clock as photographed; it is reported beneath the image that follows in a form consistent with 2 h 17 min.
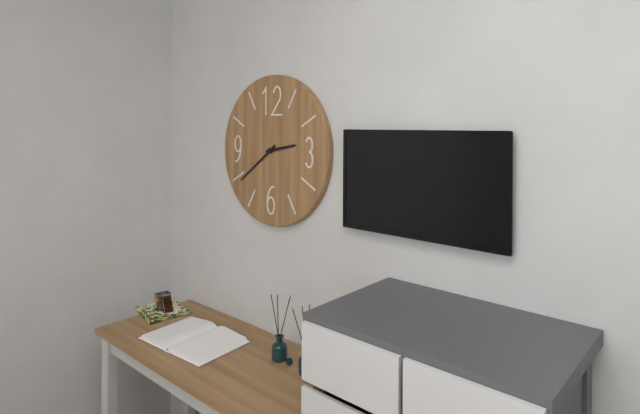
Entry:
2 h 39 min
